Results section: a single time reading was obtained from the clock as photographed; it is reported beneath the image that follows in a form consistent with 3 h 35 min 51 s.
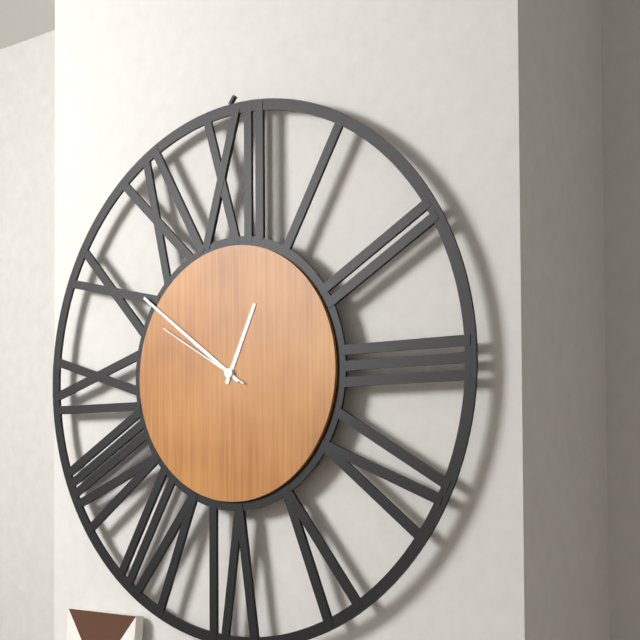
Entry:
12 h 51 min 50 s
